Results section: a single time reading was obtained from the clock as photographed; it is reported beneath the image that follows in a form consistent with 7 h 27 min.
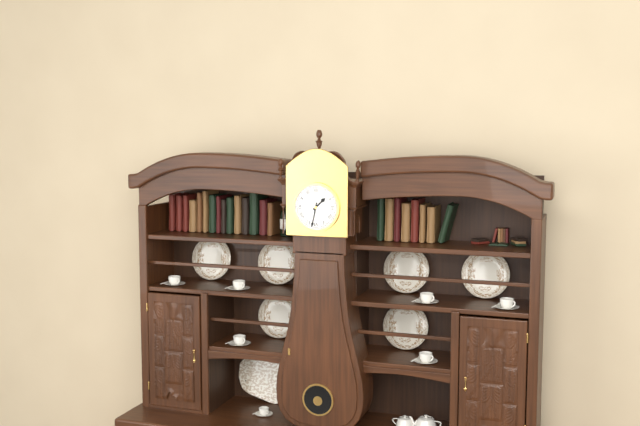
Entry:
1 h 32 min
